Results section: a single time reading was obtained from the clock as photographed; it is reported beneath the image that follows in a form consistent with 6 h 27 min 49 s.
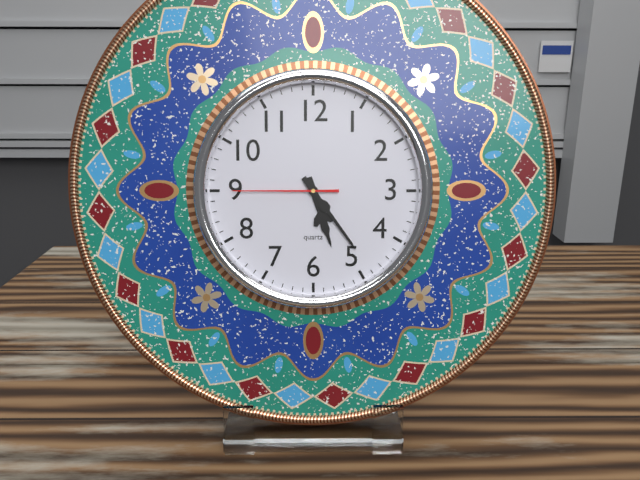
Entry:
5 h 24 min 45 s
